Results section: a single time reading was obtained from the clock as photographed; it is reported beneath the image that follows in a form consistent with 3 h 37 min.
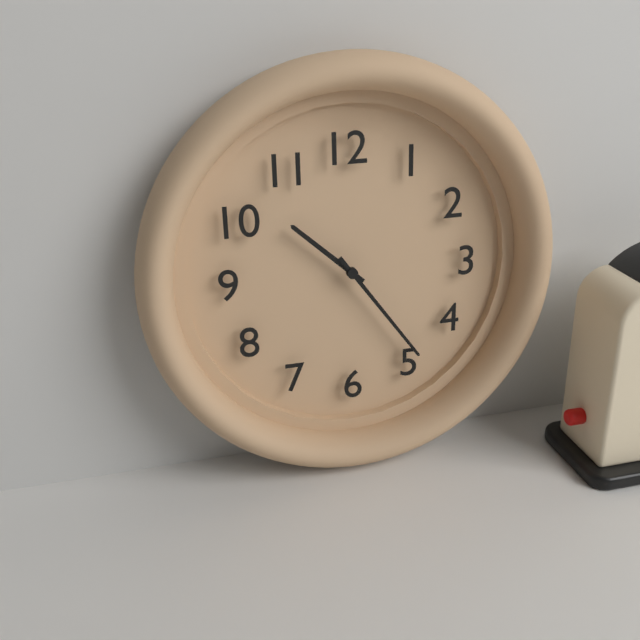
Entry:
10 h 24 min
